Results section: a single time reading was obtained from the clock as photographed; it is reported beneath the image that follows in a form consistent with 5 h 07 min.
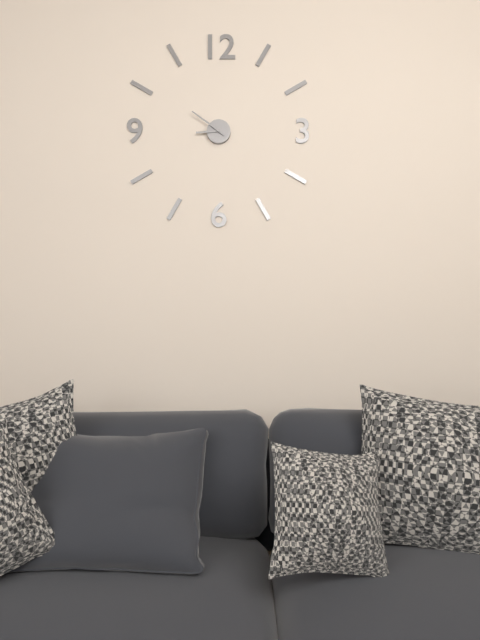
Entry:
8 h 51 min
